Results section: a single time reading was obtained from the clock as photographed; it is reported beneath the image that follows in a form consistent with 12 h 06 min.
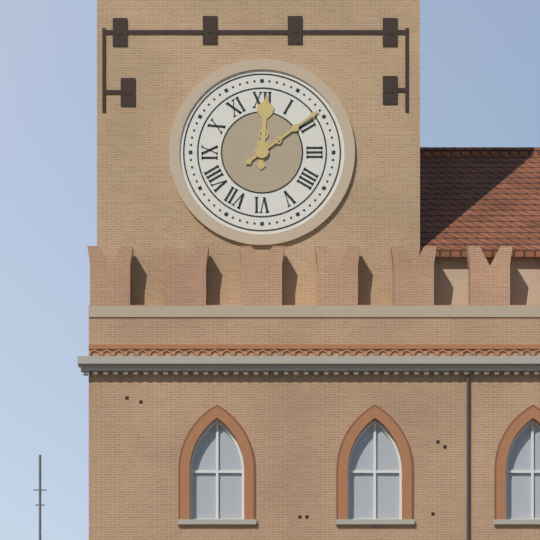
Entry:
12 h 09 min
